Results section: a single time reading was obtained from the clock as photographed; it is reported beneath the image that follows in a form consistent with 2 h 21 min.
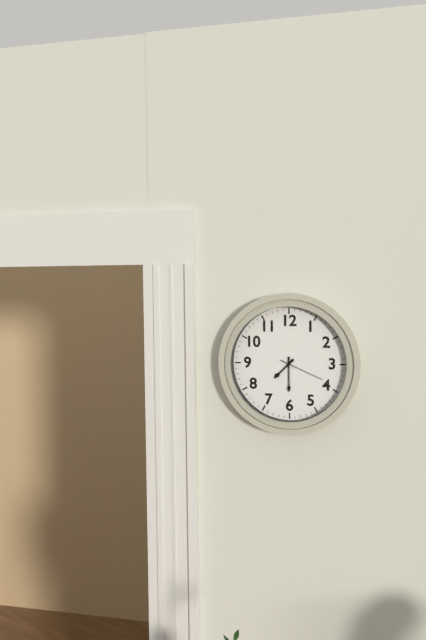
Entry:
7 h 30 min
